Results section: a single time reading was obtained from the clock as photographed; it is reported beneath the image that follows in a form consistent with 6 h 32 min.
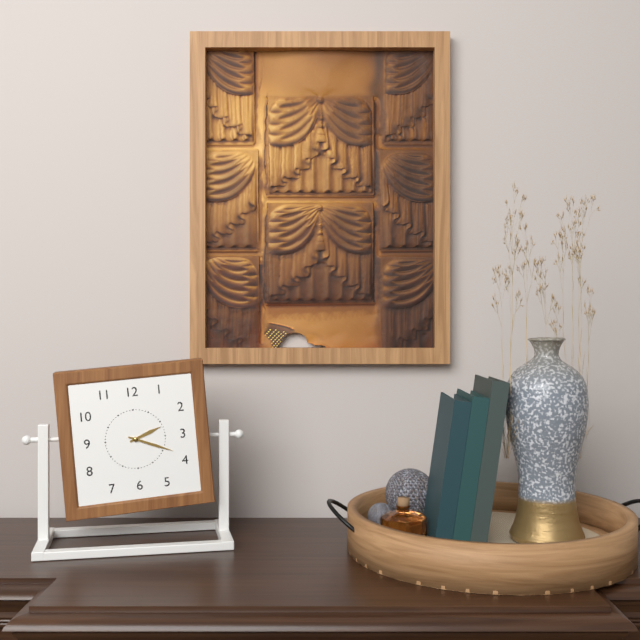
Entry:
2 h 19 min
